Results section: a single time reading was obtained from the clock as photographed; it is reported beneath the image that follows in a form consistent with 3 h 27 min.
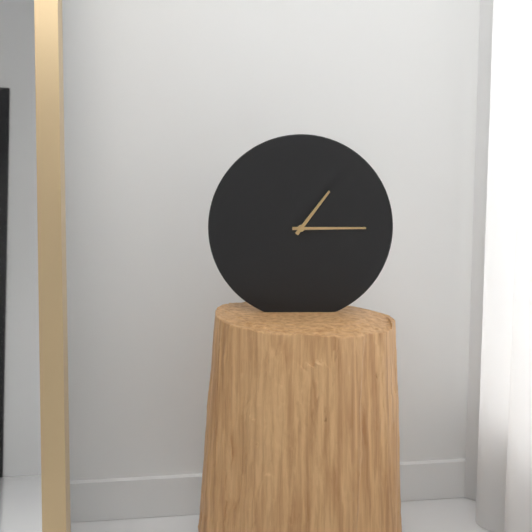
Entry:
1 h 15 min
